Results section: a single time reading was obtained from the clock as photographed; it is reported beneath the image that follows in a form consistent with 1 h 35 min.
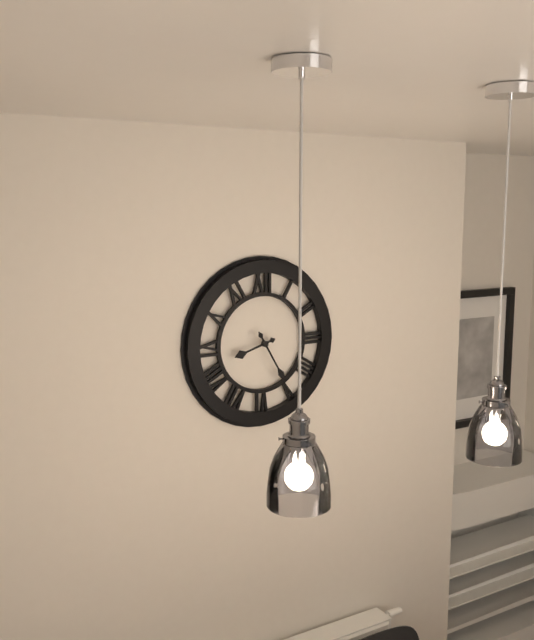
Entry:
8 h 25 min
